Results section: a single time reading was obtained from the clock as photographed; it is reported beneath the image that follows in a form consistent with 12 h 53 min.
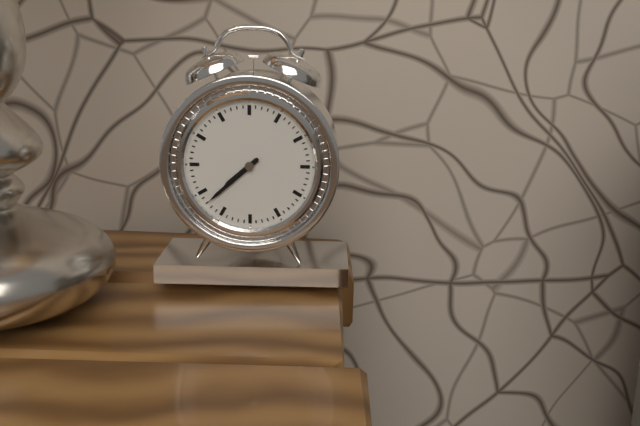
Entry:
7 h 38 min
